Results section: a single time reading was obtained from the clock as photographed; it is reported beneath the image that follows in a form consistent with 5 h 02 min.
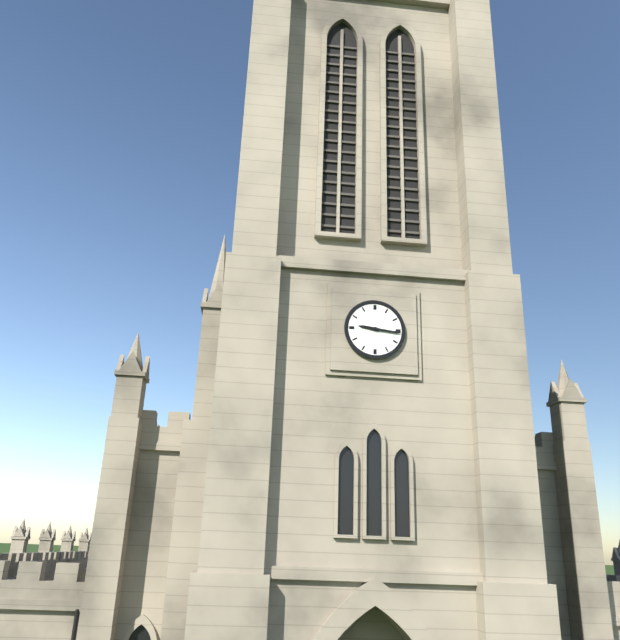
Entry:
9 h 16 min
